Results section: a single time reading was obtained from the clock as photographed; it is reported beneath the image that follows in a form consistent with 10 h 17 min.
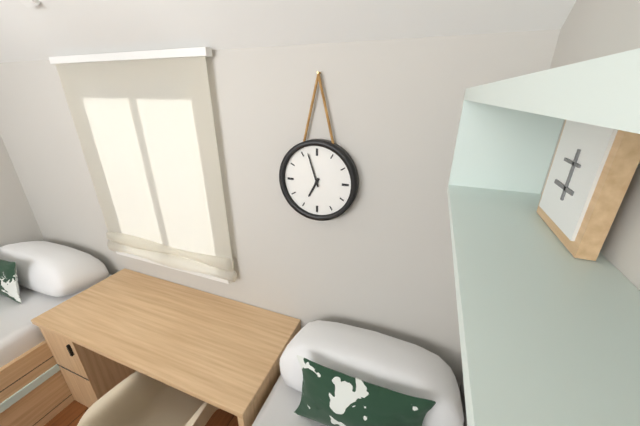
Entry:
6 h 57 min
